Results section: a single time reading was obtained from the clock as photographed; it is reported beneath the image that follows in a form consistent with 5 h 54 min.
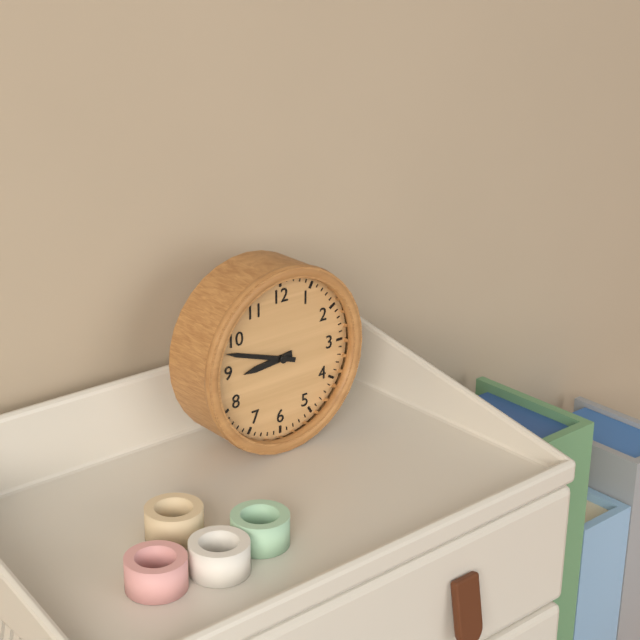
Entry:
8 h 48 min
